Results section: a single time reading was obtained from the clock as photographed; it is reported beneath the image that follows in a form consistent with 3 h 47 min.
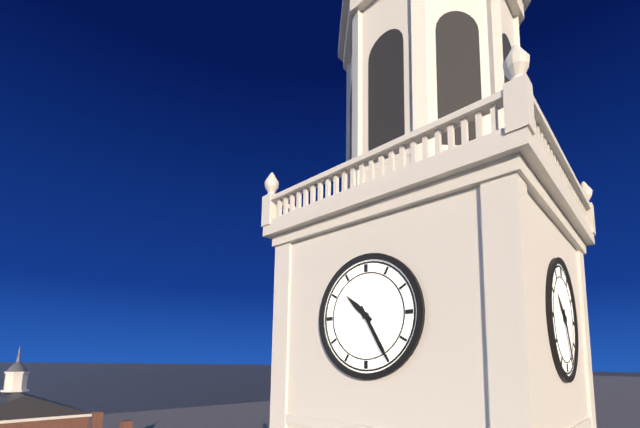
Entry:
10 h 25 min
